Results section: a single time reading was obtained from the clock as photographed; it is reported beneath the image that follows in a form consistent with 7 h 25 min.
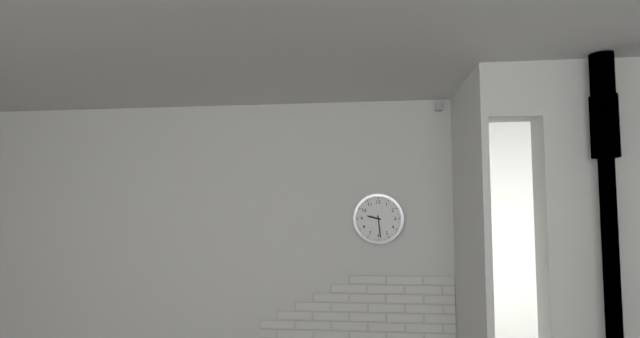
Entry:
9 h 29 min
